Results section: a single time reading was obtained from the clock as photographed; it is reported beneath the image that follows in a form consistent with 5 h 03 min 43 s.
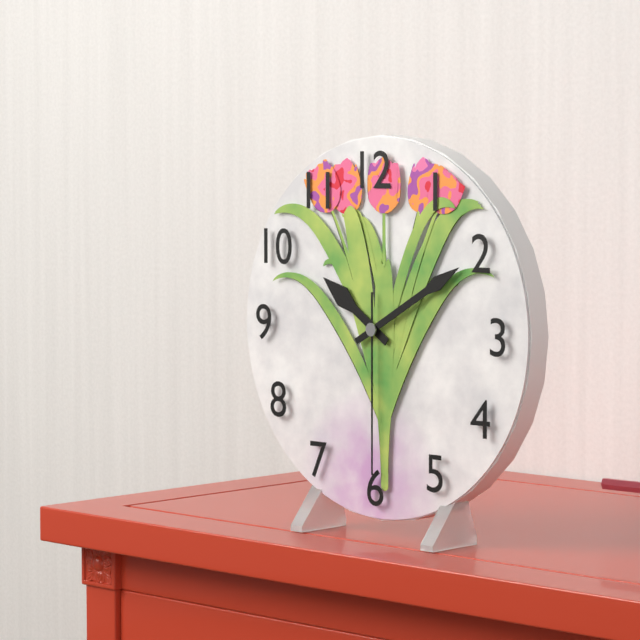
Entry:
10 h 10 min 30 s
